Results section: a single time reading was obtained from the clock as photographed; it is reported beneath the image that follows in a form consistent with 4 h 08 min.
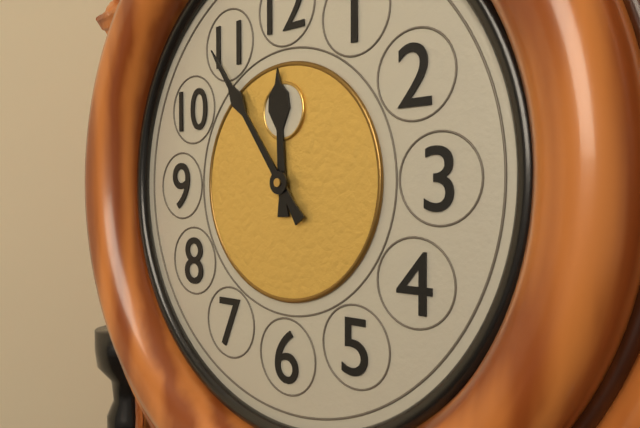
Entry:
11 h 54 min
